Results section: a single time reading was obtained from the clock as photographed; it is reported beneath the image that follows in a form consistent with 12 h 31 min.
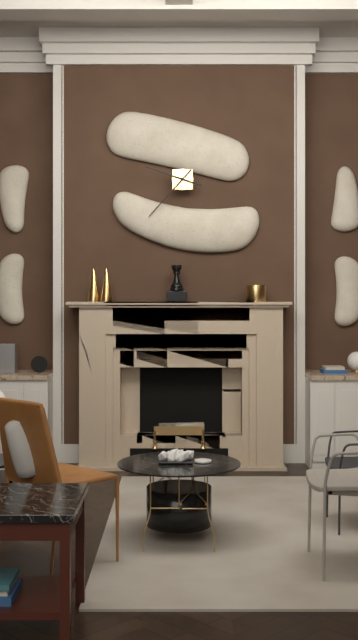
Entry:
9 h 37 min
